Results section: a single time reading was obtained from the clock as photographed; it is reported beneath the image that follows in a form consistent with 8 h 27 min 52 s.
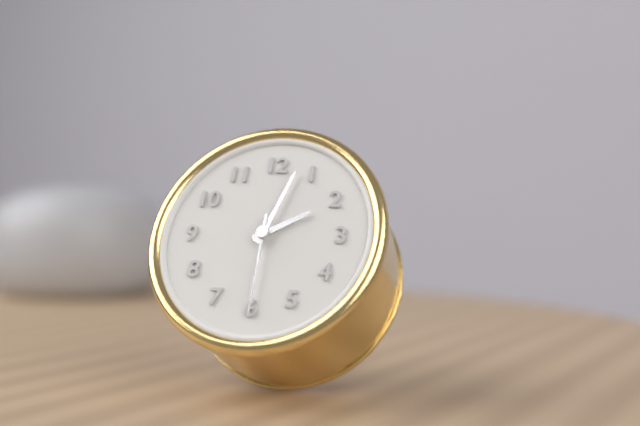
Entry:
2 h 03 min 30 s
